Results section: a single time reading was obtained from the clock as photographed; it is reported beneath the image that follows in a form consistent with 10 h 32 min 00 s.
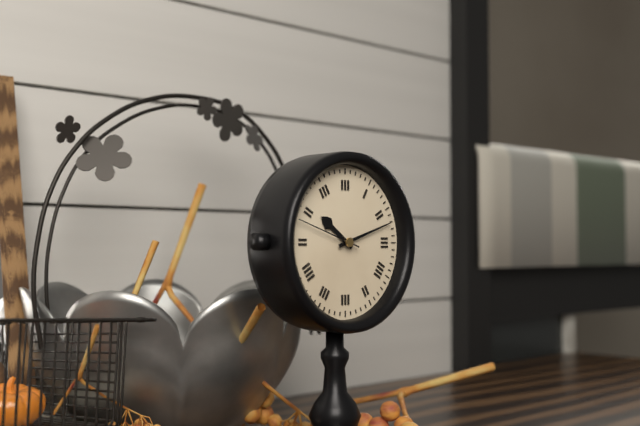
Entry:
10 h 12 min 48 s
